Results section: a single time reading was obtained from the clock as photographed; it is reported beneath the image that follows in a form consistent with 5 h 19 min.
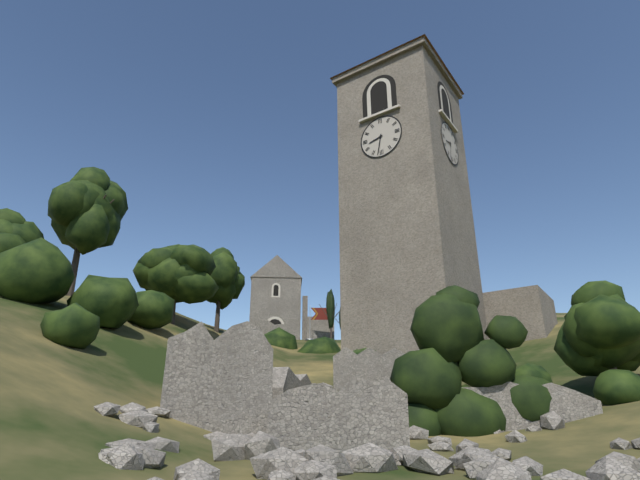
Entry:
8 h 32 min
